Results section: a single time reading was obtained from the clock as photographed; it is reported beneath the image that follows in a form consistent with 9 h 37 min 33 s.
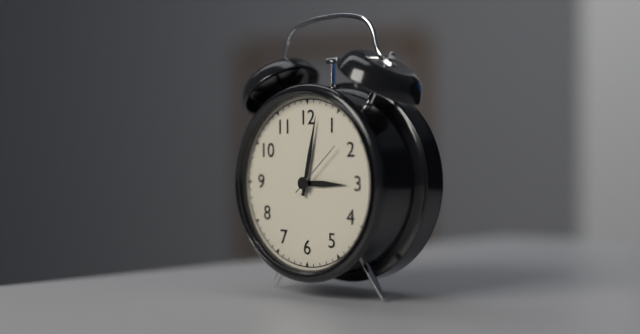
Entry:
3 h 02 min 08 s
